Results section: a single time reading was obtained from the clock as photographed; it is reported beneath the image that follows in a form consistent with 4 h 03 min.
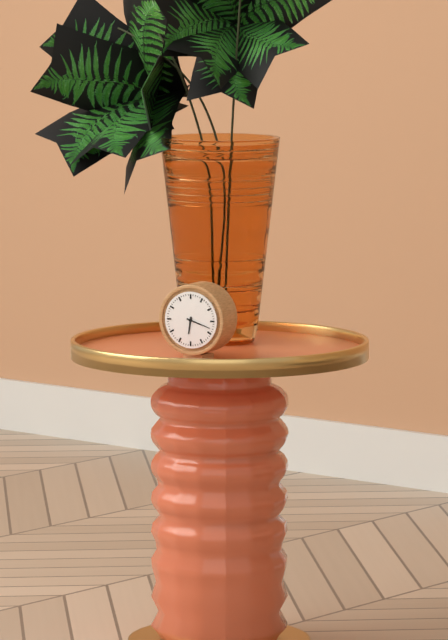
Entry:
6 h 18 min
